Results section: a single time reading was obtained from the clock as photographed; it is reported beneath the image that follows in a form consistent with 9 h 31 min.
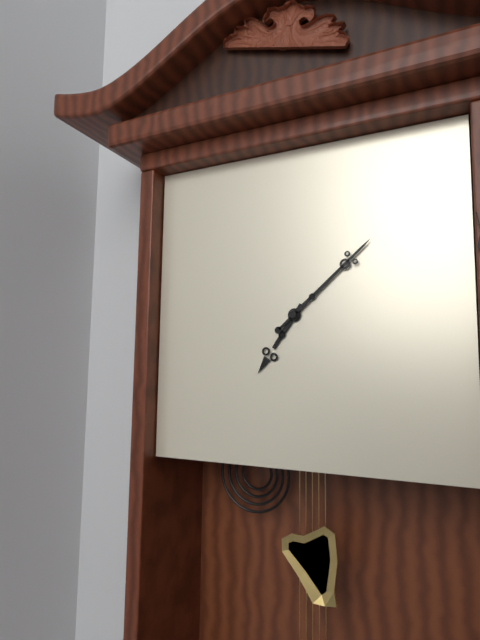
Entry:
7 h 08 min
